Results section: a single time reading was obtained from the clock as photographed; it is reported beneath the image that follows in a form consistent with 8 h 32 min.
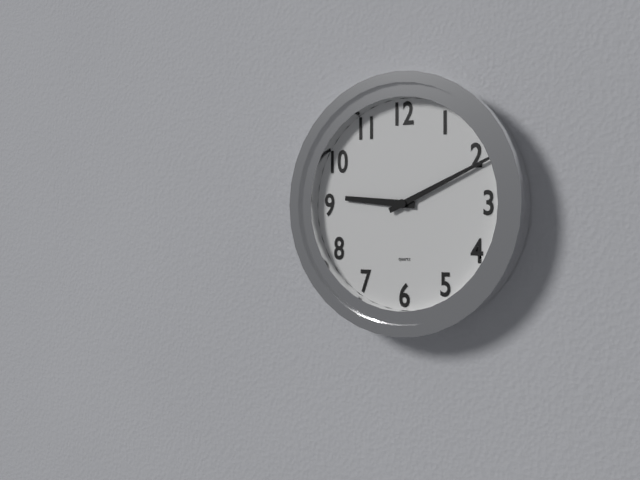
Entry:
9 h 11 min
